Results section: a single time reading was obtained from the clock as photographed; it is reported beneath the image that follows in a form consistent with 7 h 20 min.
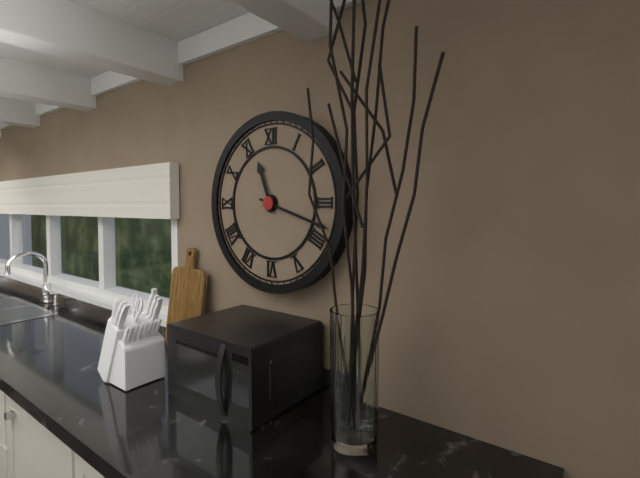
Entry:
11 h 18 min
